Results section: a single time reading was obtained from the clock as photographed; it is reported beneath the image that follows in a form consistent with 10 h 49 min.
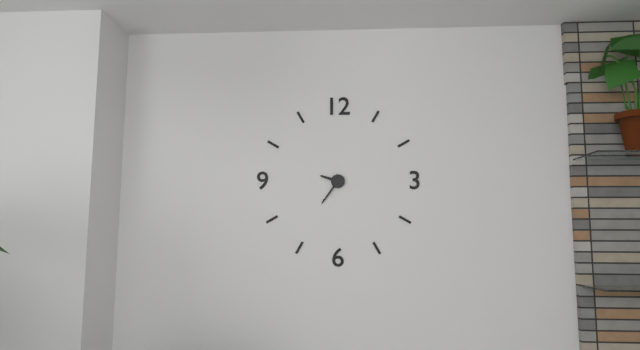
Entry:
9 h 36 min
